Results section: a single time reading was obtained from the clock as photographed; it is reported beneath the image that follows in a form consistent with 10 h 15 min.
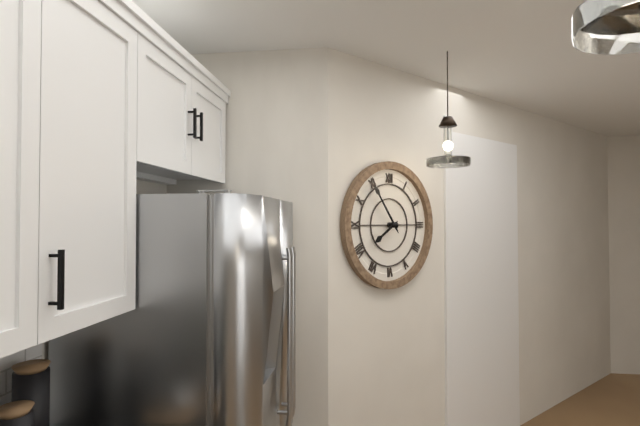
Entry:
7 h 54 min
